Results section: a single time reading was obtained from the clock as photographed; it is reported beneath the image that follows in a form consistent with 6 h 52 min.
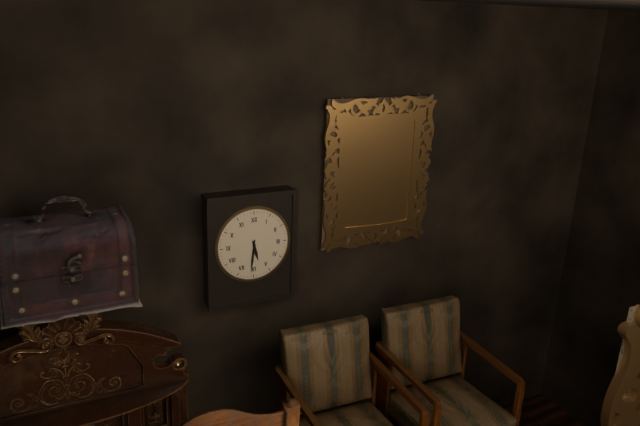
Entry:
5 h 31 min
